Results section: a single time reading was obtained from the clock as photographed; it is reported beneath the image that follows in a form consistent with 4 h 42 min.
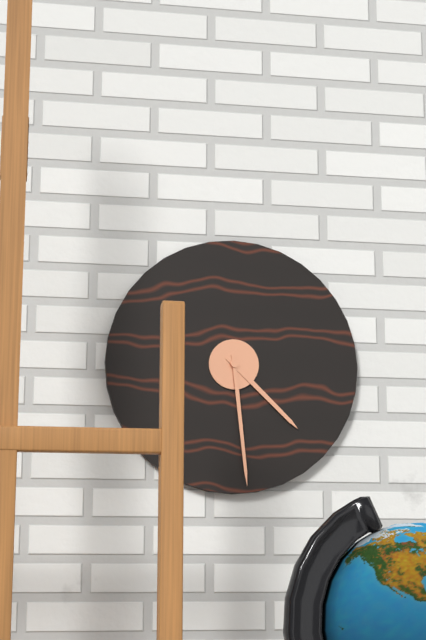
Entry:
4 h 29 min
